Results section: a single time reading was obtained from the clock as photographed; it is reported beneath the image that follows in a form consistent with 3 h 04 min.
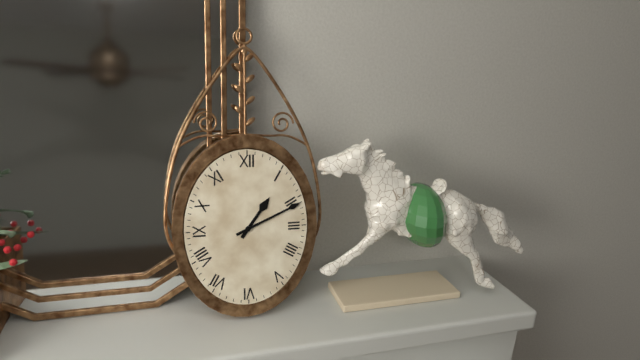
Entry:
1 h 11 min
